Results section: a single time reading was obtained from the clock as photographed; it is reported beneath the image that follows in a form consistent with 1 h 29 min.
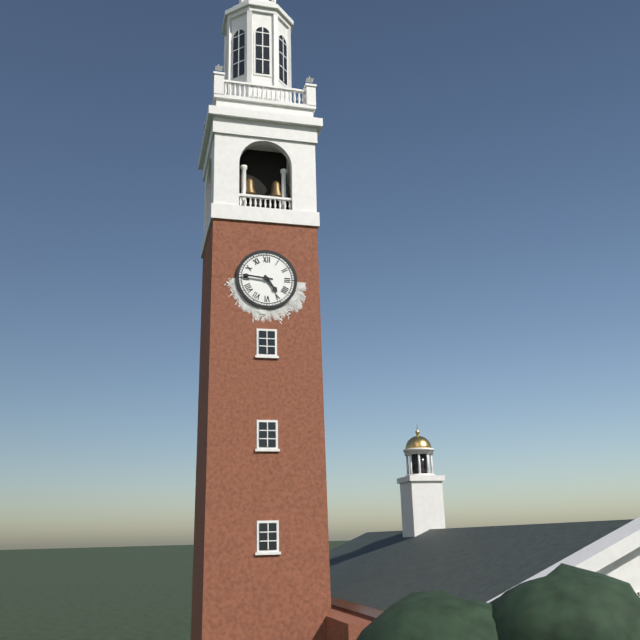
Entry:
4 h 46 min
